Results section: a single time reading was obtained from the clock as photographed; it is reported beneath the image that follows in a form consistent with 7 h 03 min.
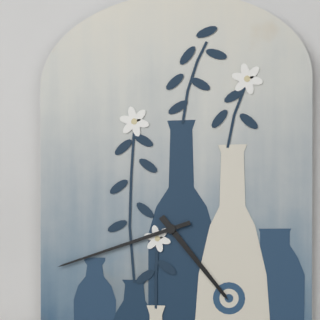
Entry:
4 h 42 min
